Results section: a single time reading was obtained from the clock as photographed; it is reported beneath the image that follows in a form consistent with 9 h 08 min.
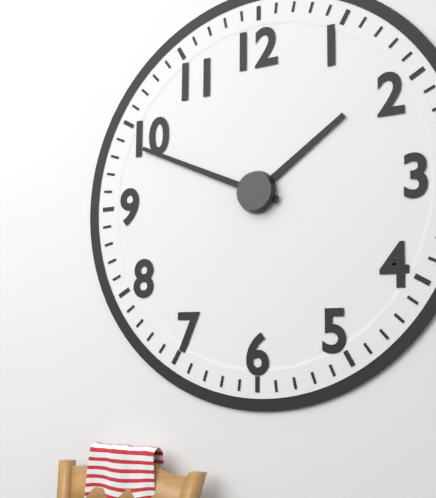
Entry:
1 h 49 min
